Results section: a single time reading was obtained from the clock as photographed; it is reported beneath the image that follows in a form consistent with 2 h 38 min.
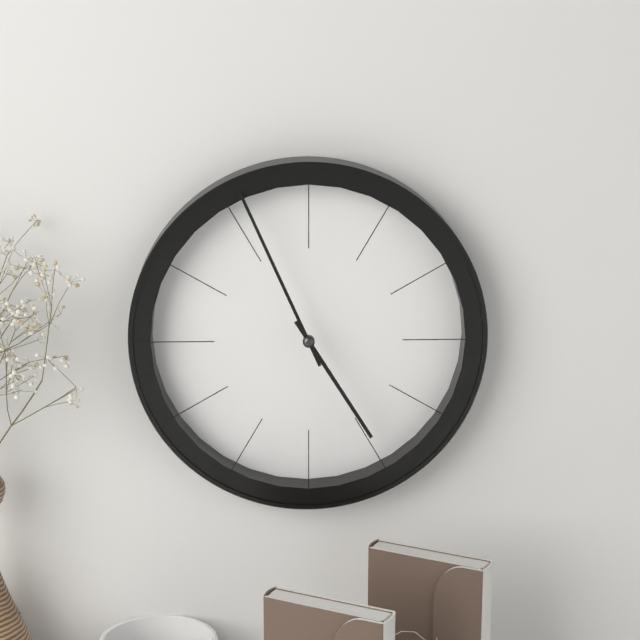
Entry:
4 h 56 min
